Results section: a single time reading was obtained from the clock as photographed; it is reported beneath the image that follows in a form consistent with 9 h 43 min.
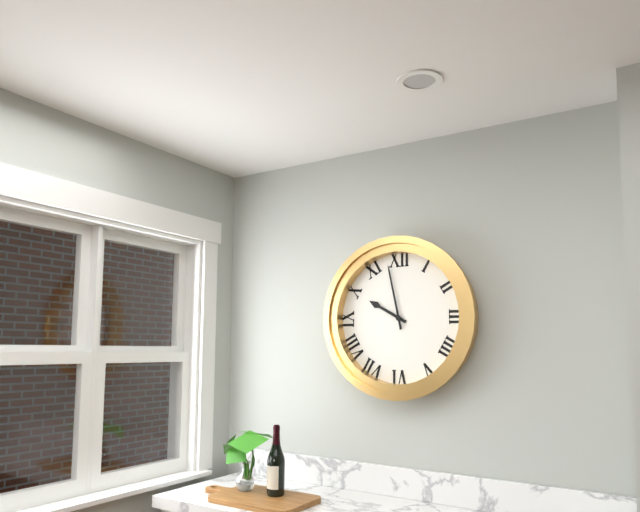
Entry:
9 h 58 min
